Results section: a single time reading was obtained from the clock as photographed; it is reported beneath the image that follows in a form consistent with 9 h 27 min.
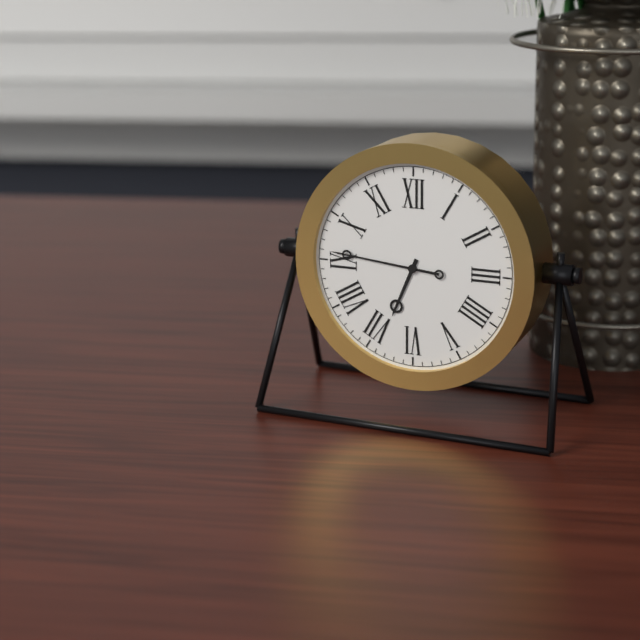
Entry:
6 h 46 min
